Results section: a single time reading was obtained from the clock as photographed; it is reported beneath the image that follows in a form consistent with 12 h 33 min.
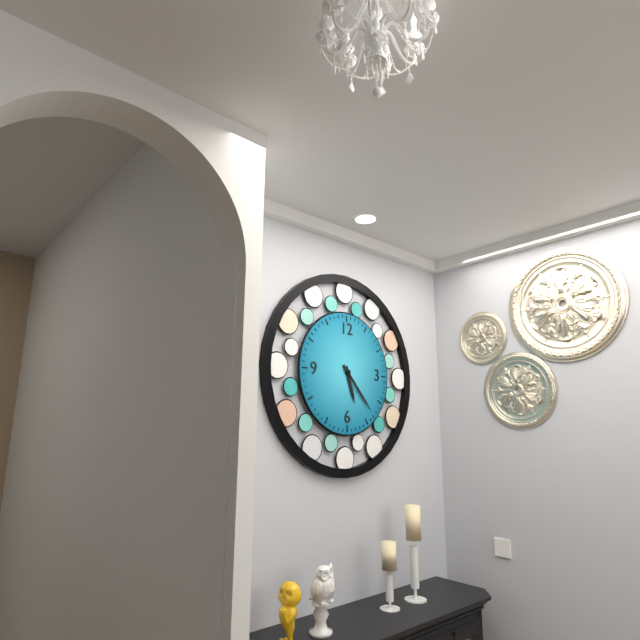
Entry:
5 h 23 min
